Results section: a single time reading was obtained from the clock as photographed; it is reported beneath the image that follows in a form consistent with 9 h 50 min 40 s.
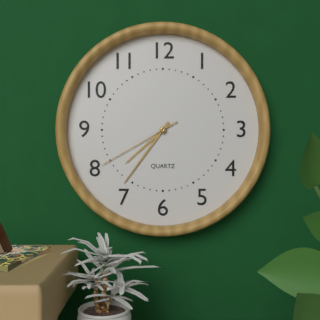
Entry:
7 h 36 min 40 s
